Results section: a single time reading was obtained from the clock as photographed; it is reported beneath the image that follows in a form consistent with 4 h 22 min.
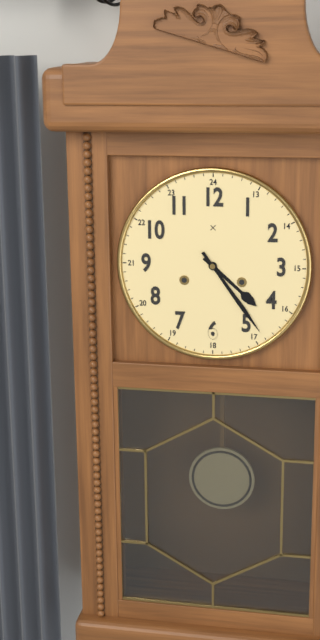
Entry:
4 h 24 min
